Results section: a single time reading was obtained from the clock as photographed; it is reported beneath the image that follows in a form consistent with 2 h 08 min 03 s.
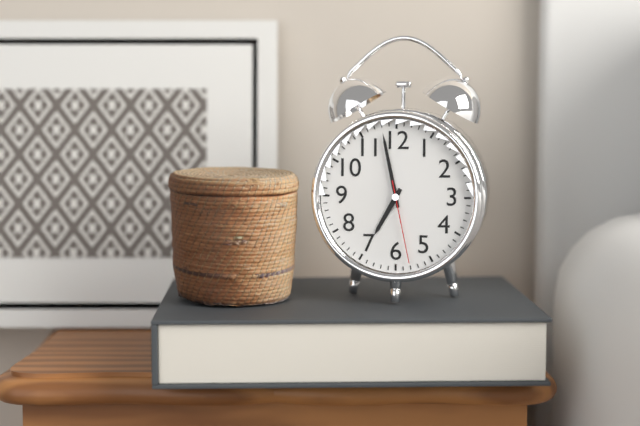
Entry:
6 h 58 min 28 s
